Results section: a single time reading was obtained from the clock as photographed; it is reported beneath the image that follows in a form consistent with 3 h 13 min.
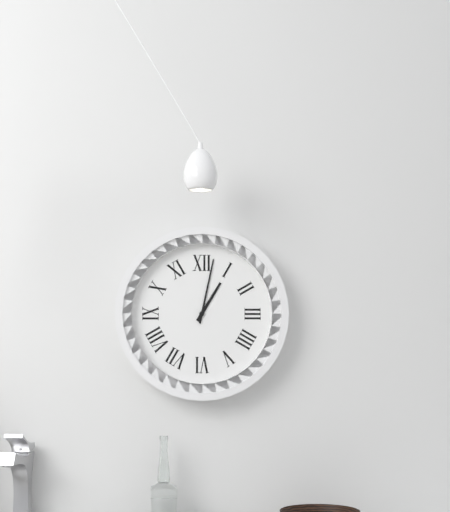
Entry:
1 h 02 min
